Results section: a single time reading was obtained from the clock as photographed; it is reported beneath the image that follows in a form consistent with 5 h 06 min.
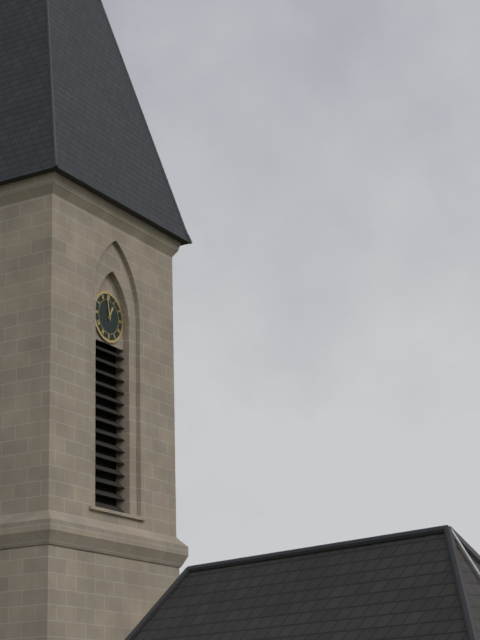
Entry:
12 h 58 min
